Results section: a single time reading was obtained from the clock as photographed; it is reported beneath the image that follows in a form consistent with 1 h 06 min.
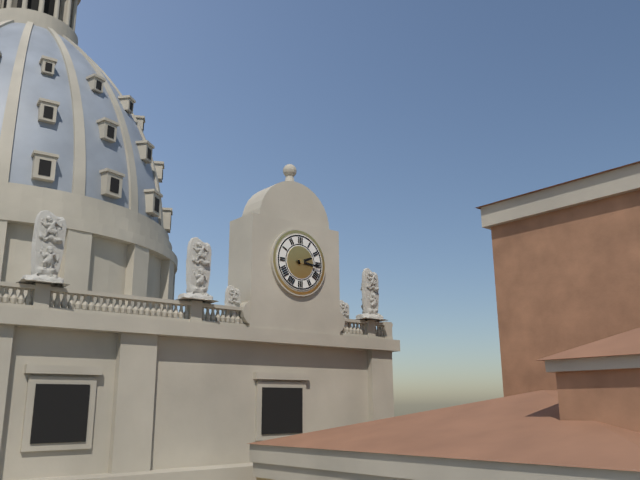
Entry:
2 h 16 min
